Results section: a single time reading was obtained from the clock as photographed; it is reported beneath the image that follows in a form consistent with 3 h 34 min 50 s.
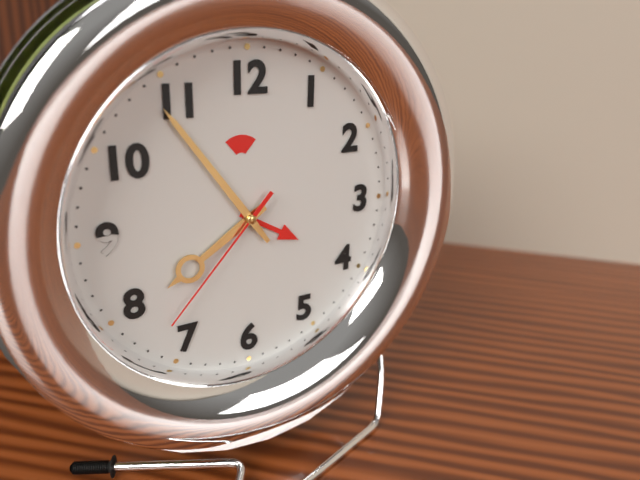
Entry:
7 h 54 min 37 s
